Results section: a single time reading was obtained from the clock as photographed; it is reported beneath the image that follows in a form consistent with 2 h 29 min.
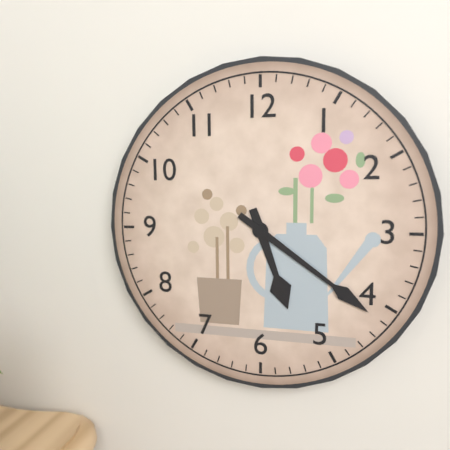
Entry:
5 h 21 min
